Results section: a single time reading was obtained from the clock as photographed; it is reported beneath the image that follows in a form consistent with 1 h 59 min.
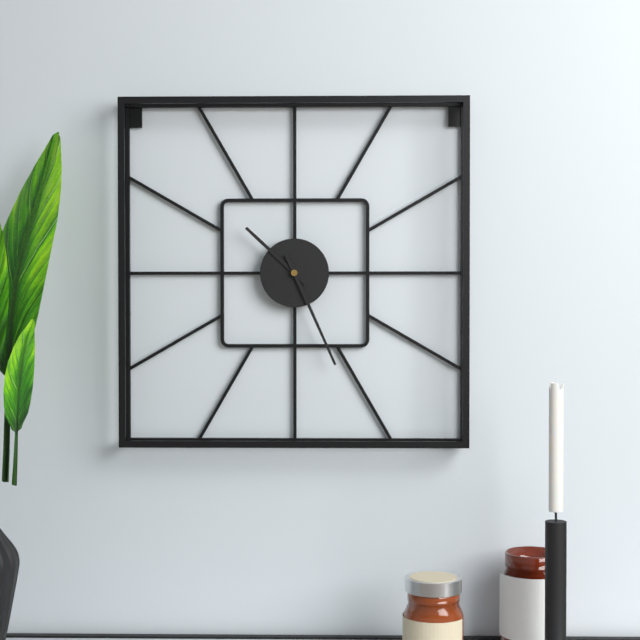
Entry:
10 h 26 min
